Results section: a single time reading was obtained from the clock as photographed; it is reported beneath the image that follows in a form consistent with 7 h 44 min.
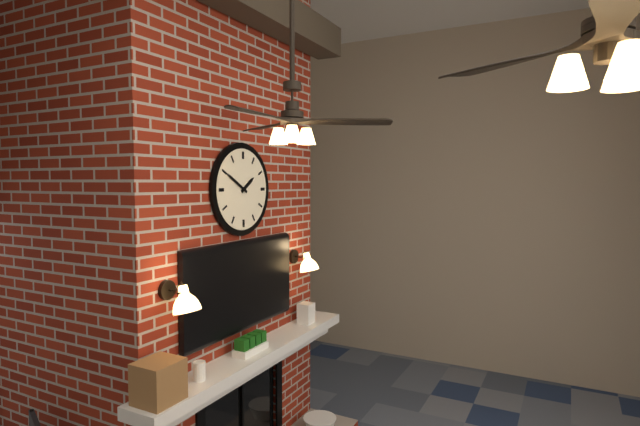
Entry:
1 h 50 min
